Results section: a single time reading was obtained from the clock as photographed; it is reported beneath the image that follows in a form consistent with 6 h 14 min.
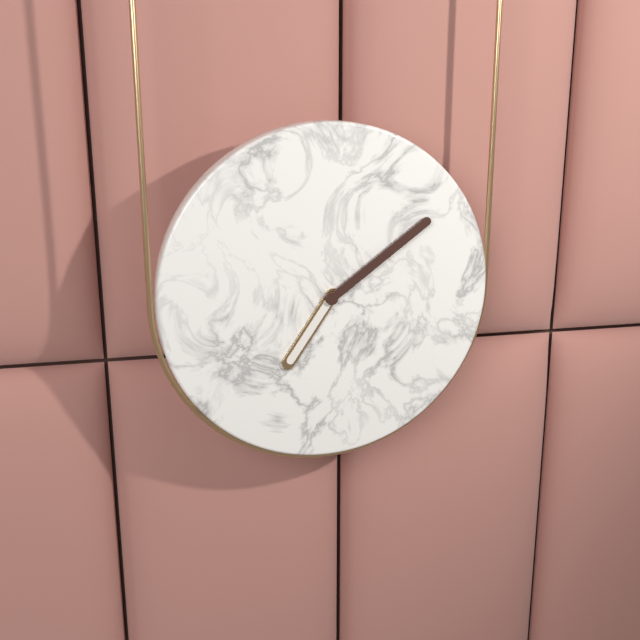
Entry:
7 h 09 min
